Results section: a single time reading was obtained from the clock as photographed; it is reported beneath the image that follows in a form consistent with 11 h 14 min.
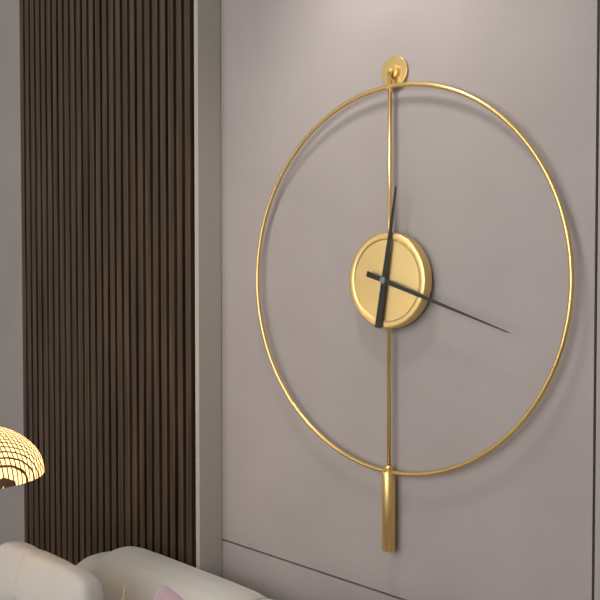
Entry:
12 h 18 min
